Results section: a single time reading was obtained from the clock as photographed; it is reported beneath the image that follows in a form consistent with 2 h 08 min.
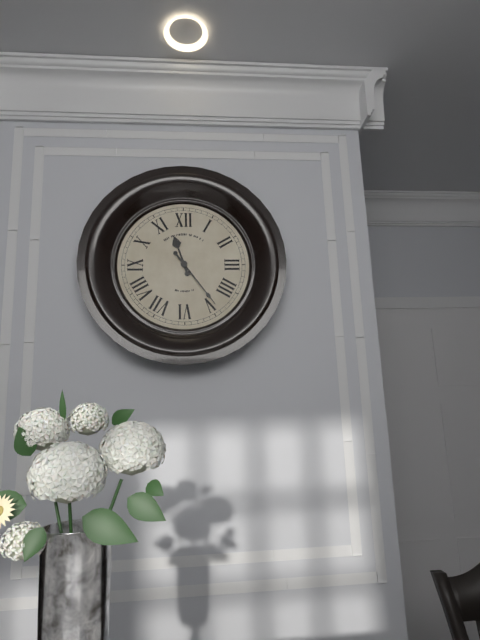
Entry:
11 h 24 min
